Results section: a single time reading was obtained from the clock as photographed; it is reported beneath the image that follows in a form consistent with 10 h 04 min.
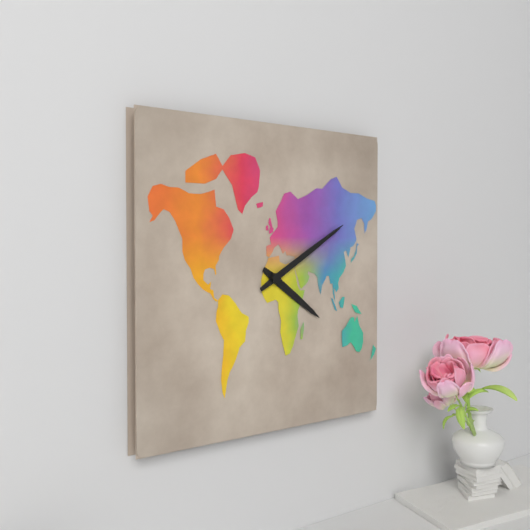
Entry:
4 h 10 min
